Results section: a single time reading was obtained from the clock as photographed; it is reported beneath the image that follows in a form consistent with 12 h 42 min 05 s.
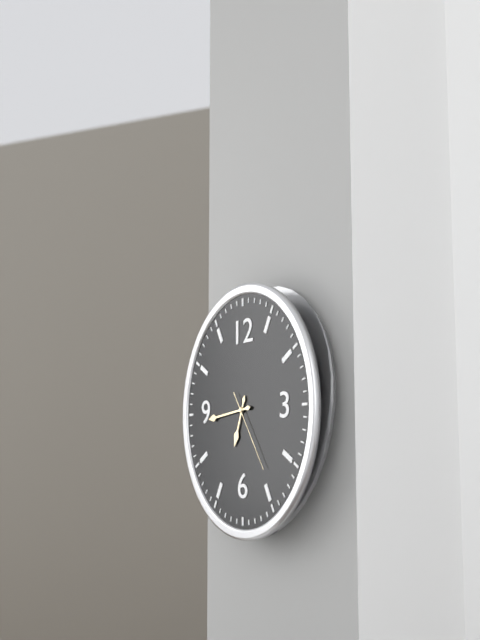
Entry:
6 h 44 min 24 s
